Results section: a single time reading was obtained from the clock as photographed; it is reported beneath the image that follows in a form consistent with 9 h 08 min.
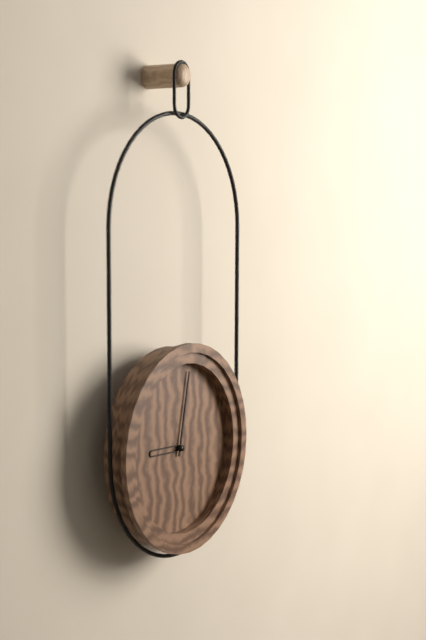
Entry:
9 h 02 min
